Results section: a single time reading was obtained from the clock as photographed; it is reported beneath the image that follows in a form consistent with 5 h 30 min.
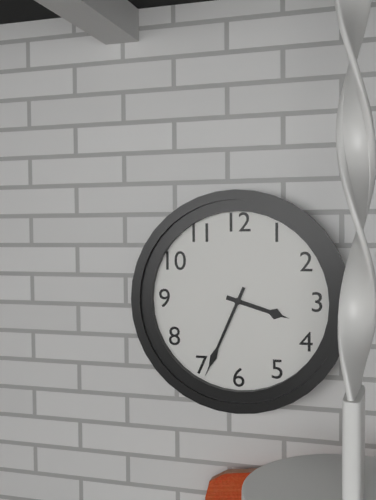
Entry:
3 h 34 min
